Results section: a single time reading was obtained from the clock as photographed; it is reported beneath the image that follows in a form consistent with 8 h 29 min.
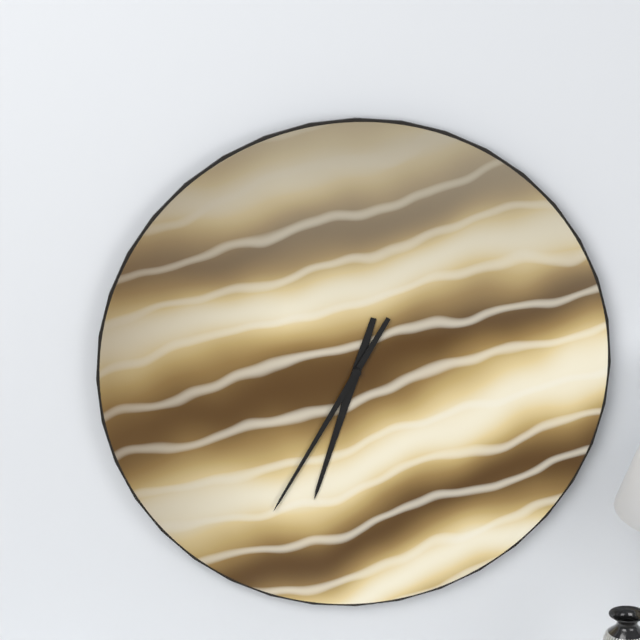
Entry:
6 h 35 min
